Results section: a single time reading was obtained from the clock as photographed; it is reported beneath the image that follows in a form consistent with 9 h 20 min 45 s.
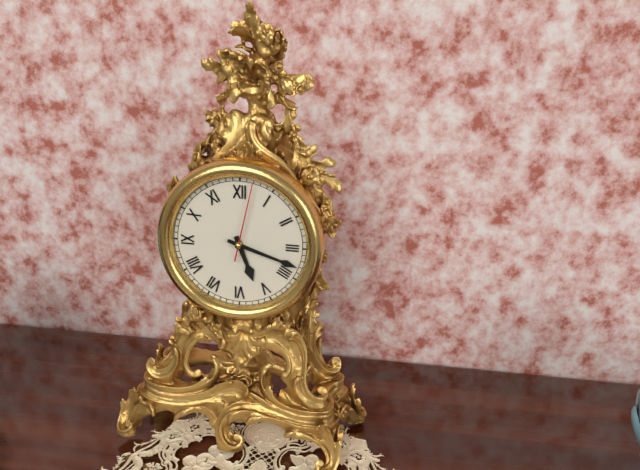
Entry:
5 h 18 min 02 s
